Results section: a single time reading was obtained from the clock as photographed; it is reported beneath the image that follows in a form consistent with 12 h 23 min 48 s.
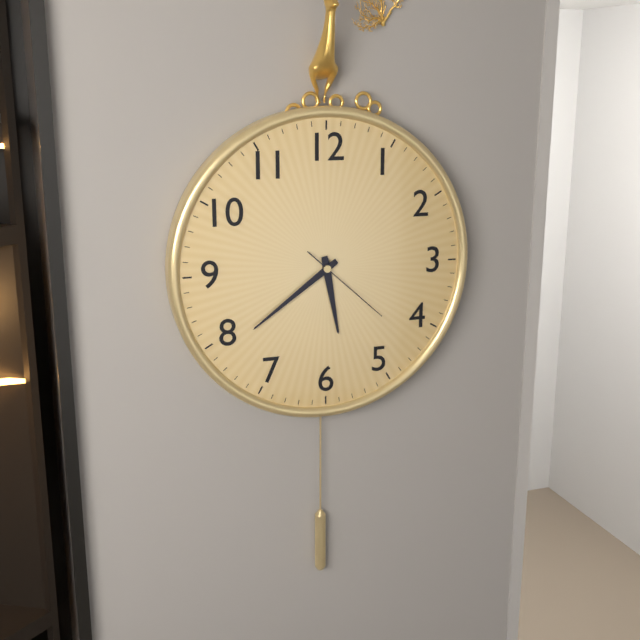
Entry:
5 h 39 min 22 s
